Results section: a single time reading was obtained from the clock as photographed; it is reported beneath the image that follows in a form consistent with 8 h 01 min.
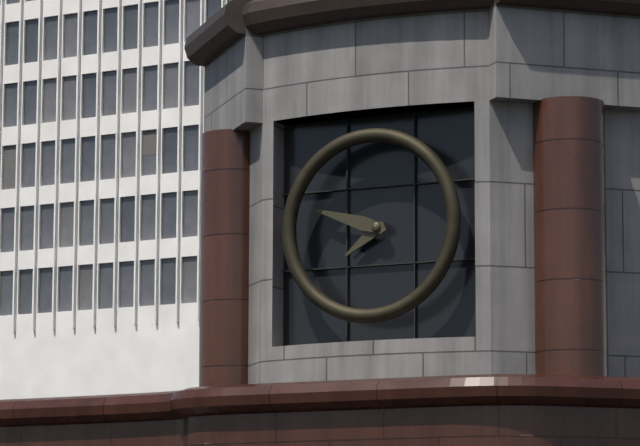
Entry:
7 h 48 min
